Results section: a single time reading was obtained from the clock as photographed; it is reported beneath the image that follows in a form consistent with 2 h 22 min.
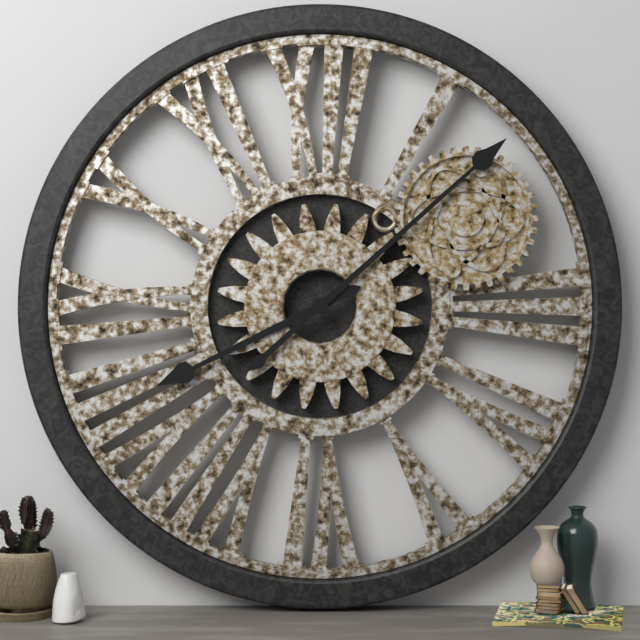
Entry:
8 h 08 min
